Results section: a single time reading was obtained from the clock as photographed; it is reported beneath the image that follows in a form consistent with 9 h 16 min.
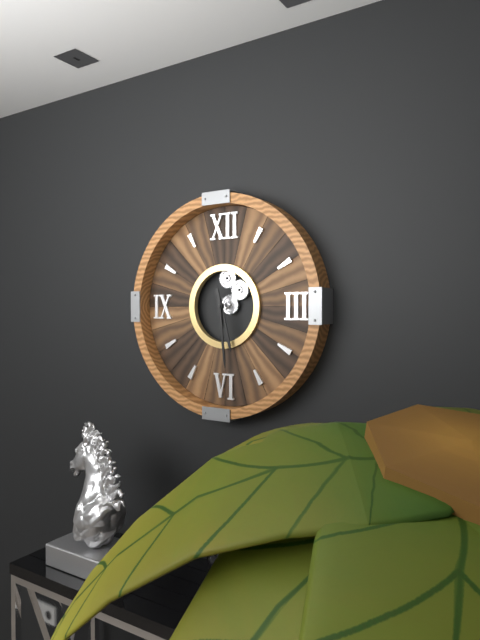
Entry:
5 h 29 min
